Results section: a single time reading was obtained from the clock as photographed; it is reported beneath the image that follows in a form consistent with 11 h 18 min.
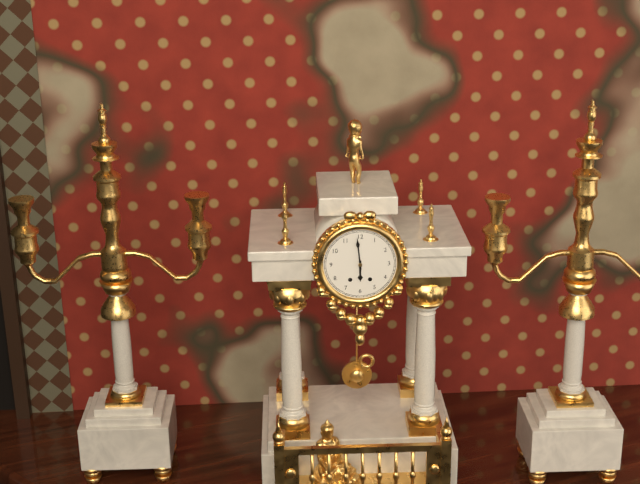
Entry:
5 h 59 min
